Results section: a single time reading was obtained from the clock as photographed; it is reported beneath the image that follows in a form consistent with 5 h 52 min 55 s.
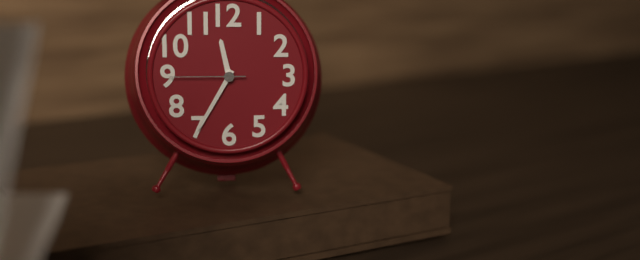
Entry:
11 h 35 min 45 s
